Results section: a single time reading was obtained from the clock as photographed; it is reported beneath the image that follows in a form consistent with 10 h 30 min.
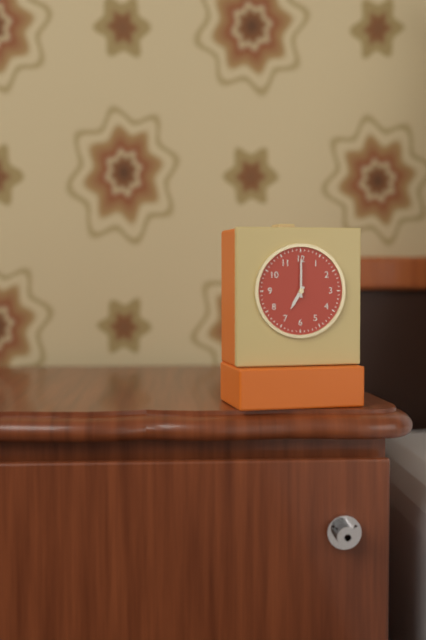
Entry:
7 h 00 min
